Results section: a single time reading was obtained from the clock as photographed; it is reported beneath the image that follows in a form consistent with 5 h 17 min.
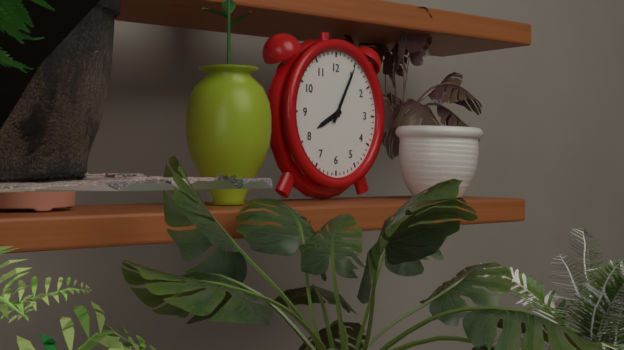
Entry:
8 h 05 min
